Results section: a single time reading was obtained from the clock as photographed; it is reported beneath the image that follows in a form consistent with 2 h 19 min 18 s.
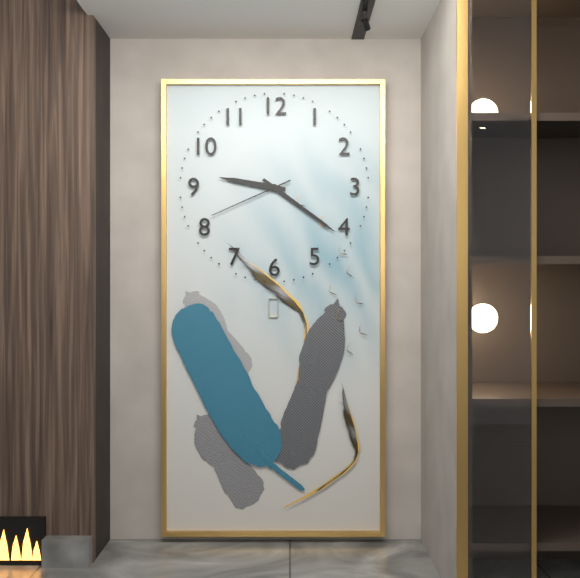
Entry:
9 h 21 min 41 s
